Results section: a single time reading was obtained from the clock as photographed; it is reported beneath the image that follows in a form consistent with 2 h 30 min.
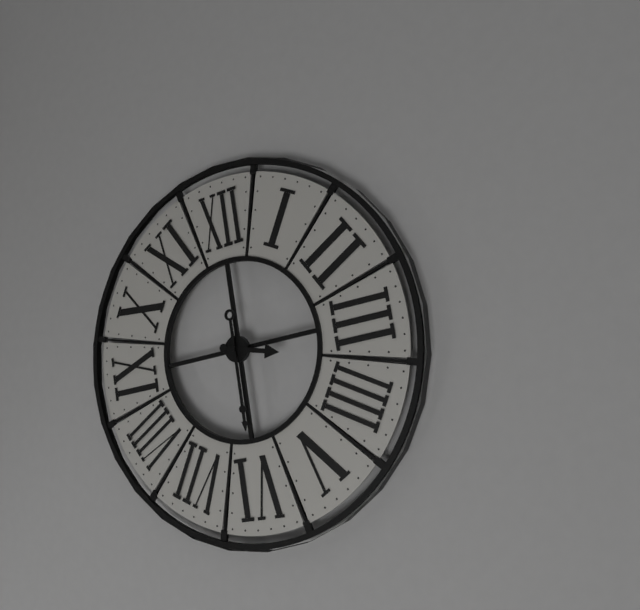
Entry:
3 h 30 min
